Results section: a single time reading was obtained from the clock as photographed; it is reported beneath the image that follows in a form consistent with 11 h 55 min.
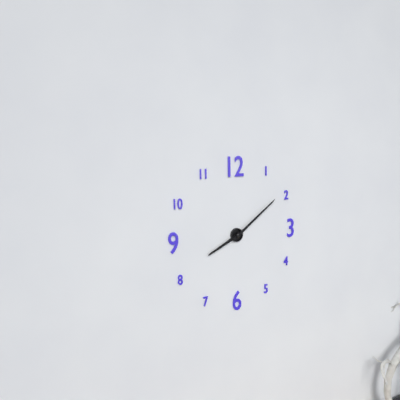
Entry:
8 h 09 min
